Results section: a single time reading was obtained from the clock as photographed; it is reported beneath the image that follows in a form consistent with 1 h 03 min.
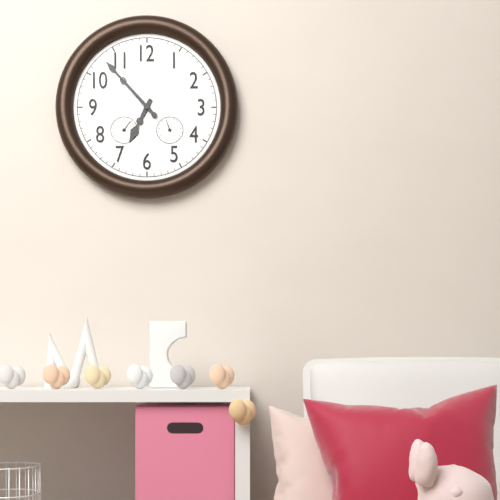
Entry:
6 h 53 min
